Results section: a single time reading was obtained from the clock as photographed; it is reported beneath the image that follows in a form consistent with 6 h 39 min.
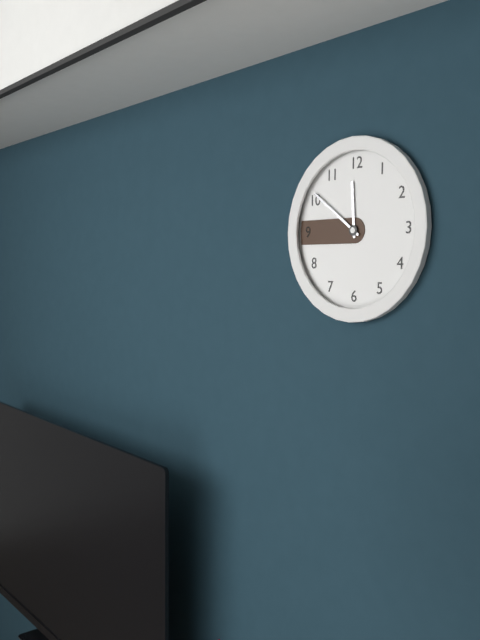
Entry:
11 h 51 min
